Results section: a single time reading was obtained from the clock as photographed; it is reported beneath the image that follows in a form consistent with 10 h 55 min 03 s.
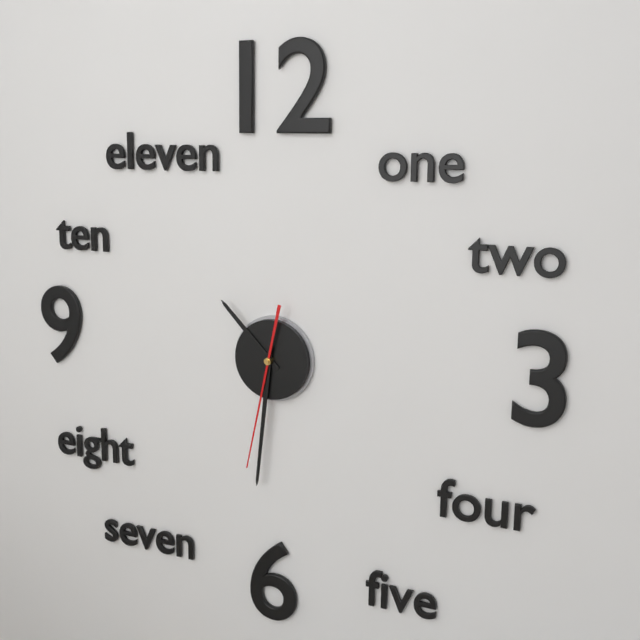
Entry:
10 h 31 min 32 s
